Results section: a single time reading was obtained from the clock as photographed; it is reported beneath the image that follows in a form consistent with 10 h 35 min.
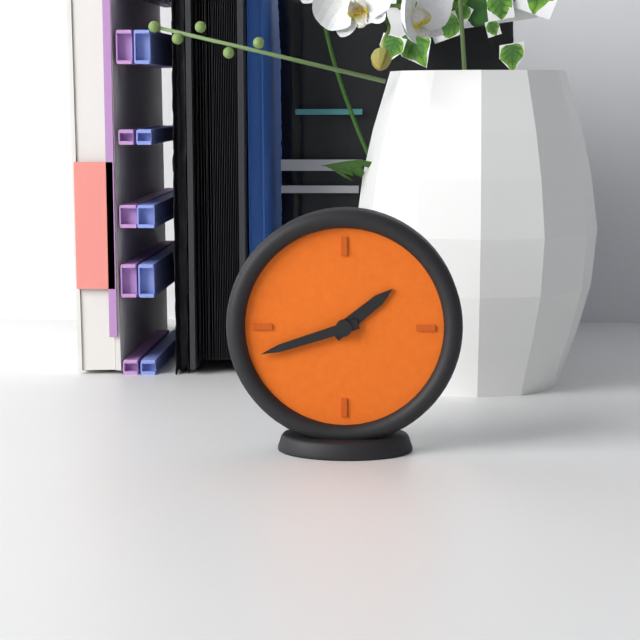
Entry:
1 h 42 min
